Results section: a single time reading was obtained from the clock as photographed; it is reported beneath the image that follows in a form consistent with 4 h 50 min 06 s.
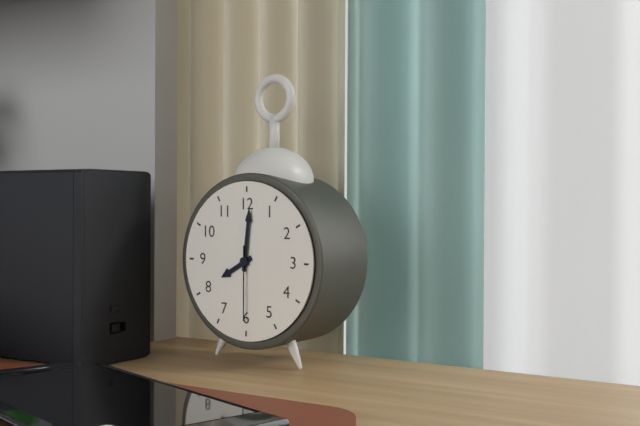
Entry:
8 h 01 min 30 s
